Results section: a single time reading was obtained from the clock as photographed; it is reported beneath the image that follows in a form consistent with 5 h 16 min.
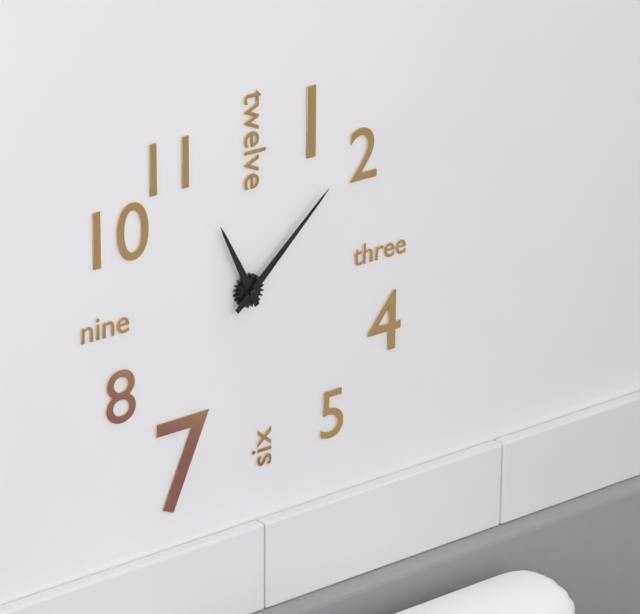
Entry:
11 h 08 min
